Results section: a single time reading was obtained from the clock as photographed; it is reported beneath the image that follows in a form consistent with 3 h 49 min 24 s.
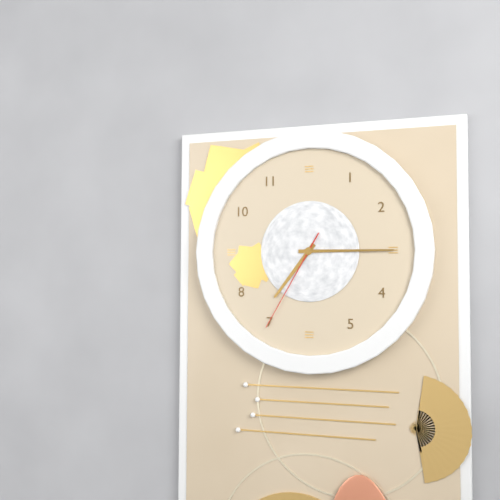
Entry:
7 h 15 min 35 s
